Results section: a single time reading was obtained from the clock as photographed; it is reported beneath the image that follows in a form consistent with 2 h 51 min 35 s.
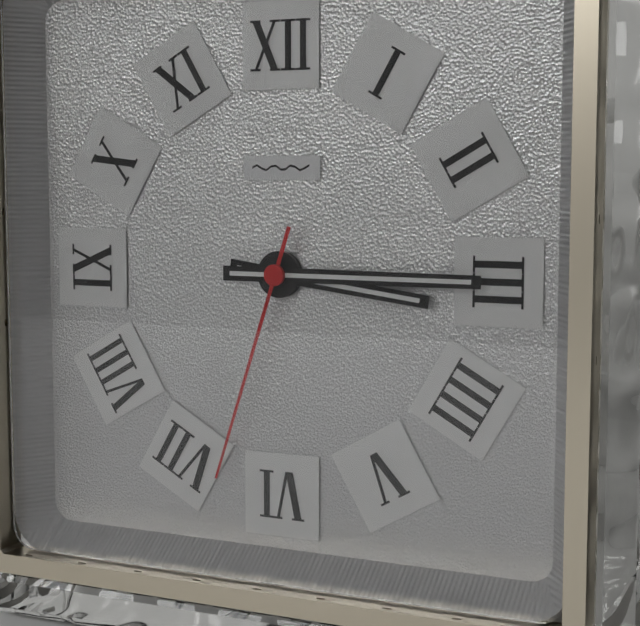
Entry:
3 h 15 min 33 s
